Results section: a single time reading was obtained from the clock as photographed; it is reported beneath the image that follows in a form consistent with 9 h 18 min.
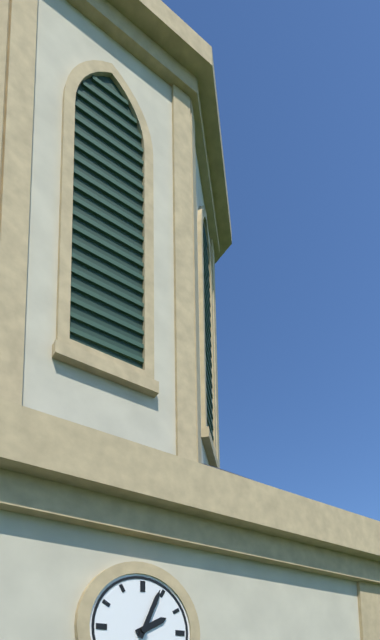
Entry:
2 h 04 min
